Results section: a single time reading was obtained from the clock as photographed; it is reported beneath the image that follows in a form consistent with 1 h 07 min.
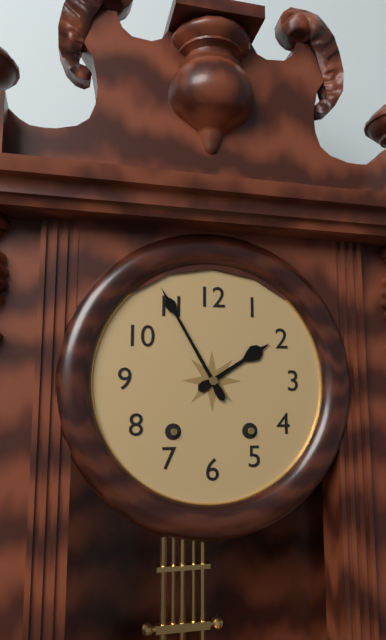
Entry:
1 h 55 min
